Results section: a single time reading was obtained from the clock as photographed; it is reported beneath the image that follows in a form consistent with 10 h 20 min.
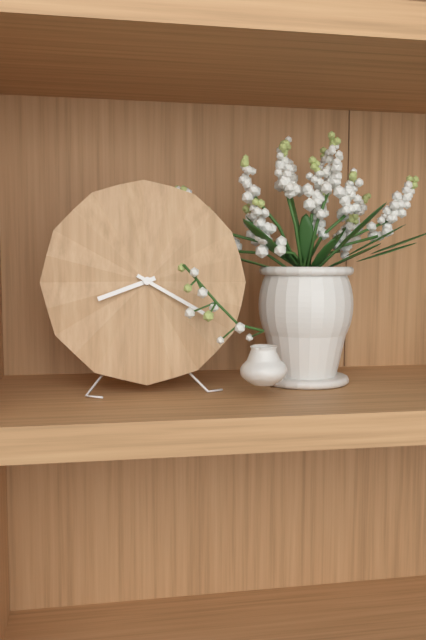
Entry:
8 h 20 min
